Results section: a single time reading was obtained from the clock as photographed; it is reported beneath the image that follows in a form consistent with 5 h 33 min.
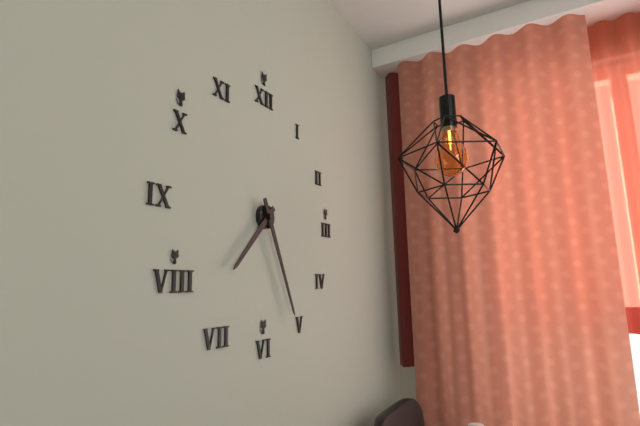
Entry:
7 h 26 min
